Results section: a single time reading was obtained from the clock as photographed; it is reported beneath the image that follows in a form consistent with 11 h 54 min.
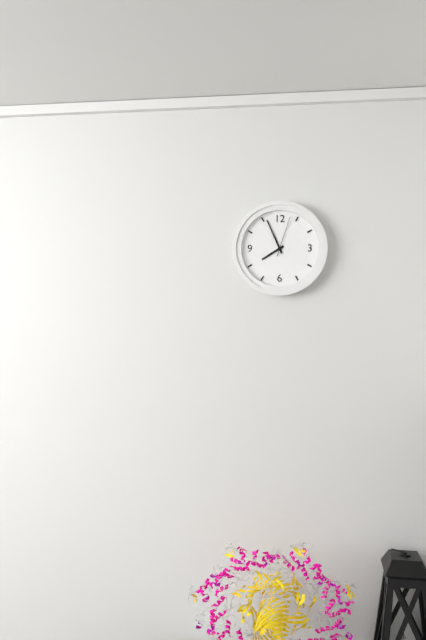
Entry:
7 h 56 min
